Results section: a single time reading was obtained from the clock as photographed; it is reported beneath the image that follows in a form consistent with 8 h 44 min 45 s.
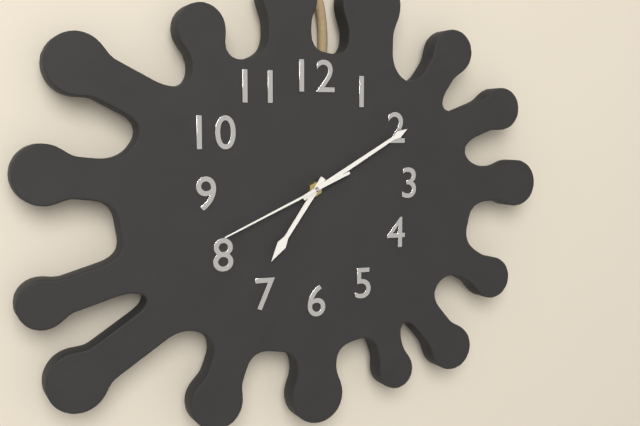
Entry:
7 h 10 min 41 s
